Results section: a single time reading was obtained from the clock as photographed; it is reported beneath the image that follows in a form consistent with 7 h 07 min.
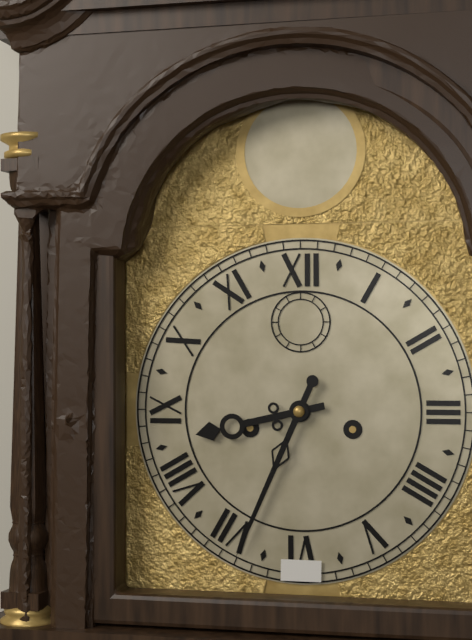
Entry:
8 h 34 min
